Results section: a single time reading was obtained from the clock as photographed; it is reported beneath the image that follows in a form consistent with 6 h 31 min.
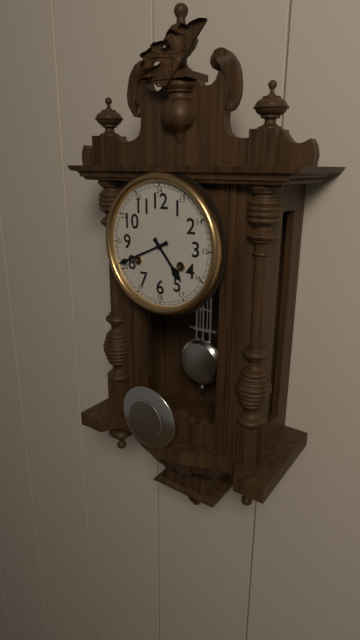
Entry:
4 h 41 min
